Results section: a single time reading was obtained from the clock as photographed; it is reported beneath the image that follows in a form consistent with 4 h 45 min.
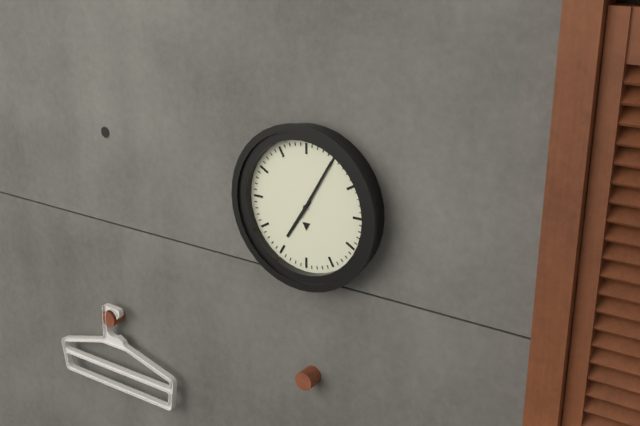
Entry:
7 h 05 min
